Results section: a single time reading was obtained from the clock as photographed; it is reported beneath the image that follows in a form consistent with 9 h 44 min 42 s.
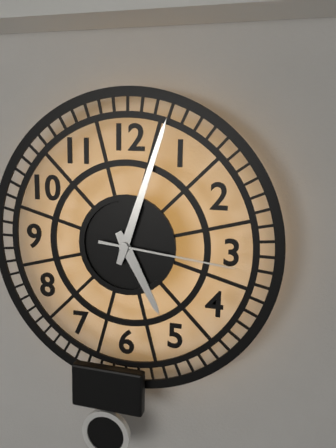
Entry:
5 h 03 min 16 s
